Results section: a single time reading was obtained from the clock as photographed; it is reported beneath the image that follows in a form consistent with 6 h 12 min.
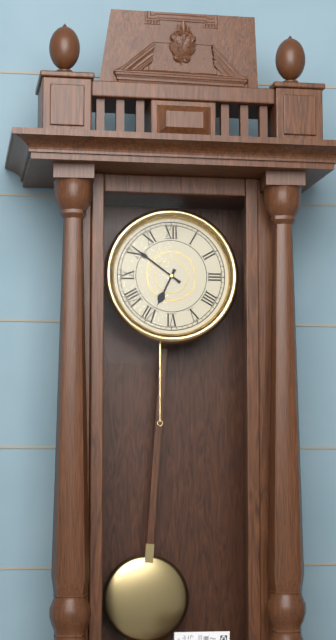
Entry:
6 h 51 min
